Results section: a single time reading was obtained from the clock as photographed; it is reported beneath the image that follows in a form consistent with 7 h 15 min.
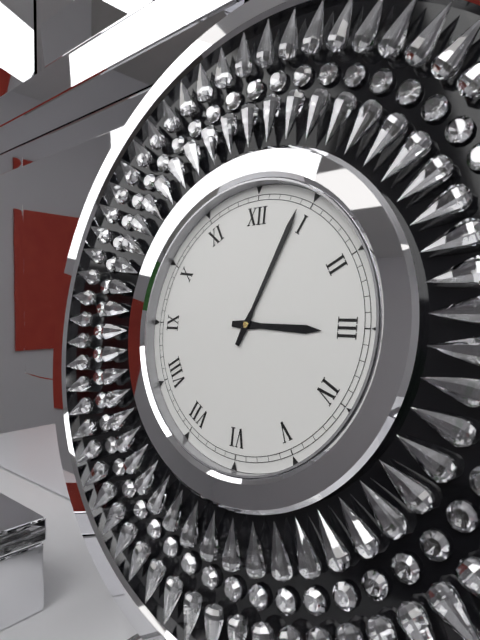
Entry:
3 h 04 min
